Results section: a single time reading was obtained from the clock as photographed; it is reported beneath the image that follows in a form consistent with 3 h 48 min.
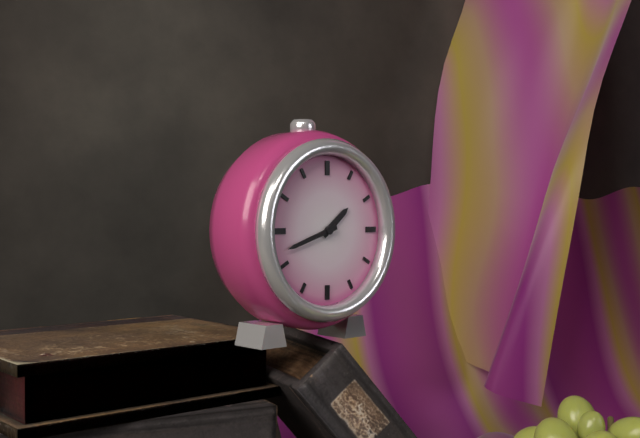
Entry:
1 h 42 min
